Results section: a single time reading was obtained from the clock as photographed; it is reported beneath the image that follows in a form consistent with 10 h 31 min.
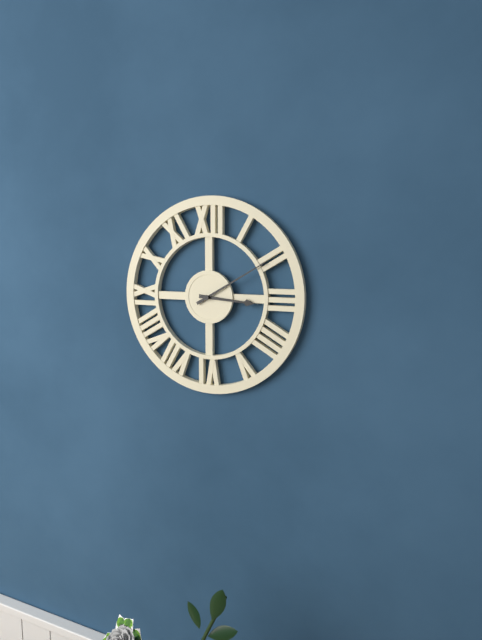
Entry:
3 h 10 min
